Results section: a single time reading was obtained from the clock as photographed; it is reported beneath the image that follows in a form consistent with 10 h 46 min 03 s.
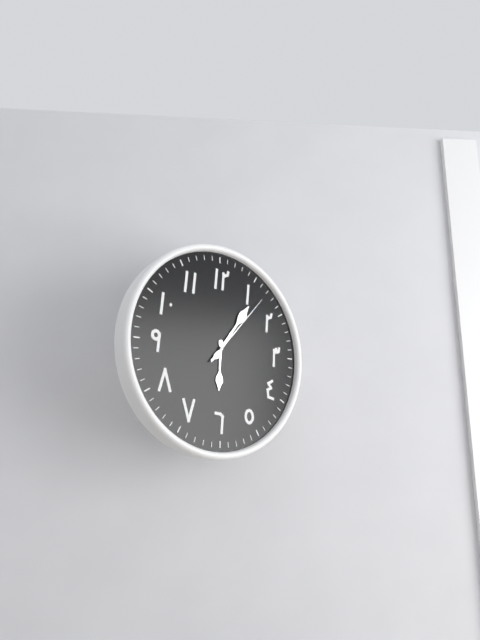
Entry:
6 h 06 min 07 s
